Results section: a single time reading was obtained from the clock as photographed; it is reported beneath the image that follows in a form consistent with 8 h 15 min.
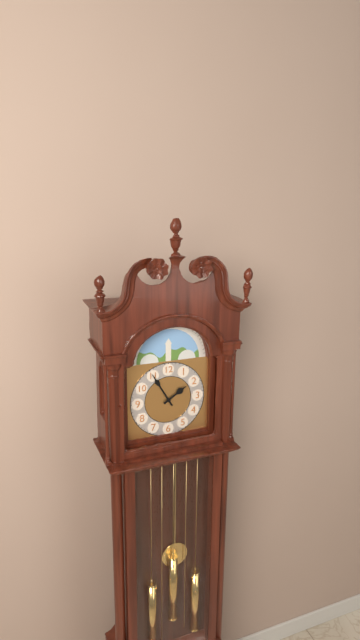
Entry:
1 h 55 min
